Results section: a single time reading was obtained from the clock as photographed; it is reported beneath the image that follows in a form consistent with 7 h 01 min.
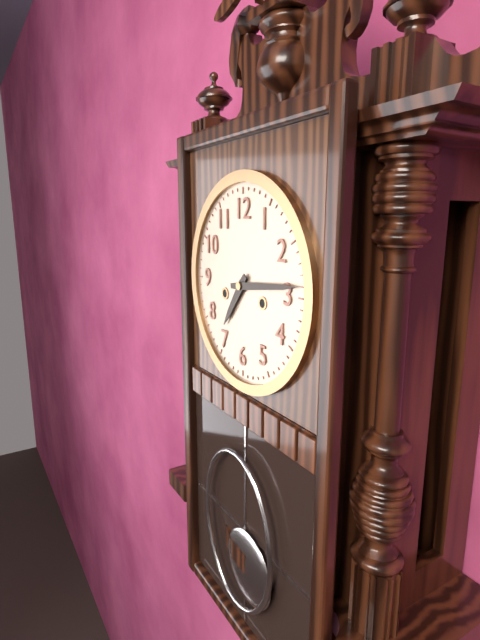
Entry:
7 h 14 min
